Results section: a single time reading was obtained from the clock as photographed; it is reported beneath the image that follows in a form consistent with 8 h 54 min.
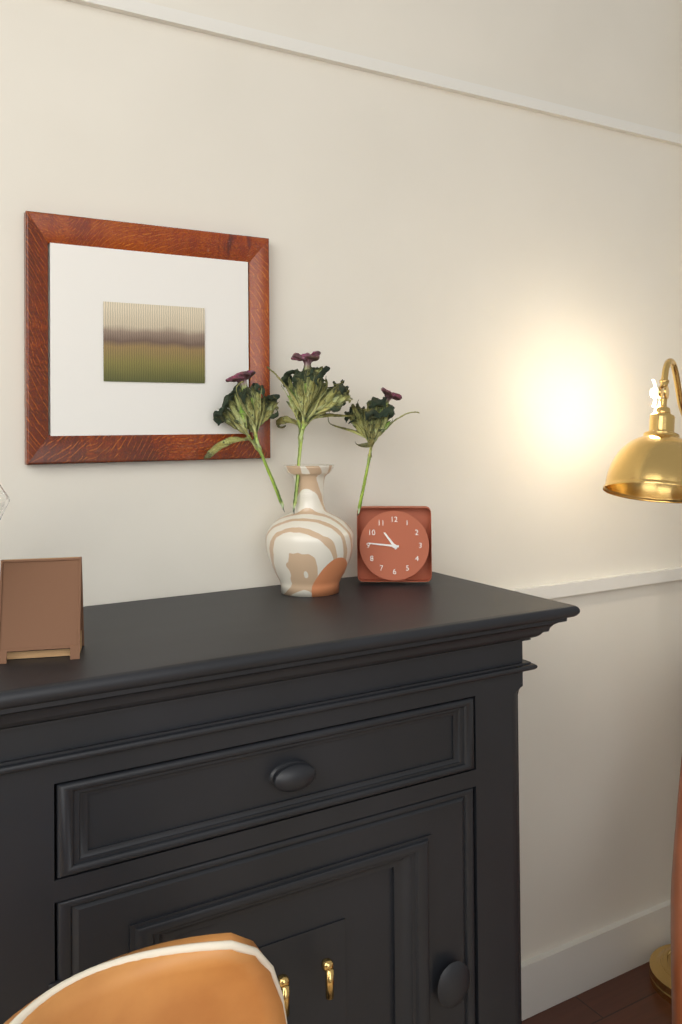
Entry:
10 h 46 min
